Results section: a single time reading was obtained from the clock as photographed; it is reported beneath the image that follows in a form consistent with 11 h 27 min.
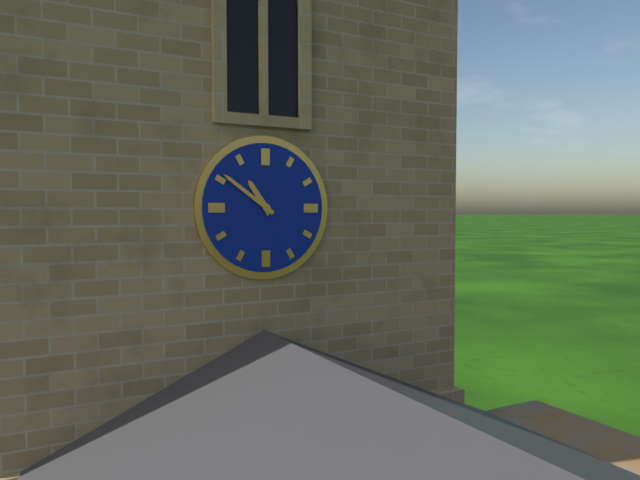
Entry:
10 h 51 min
